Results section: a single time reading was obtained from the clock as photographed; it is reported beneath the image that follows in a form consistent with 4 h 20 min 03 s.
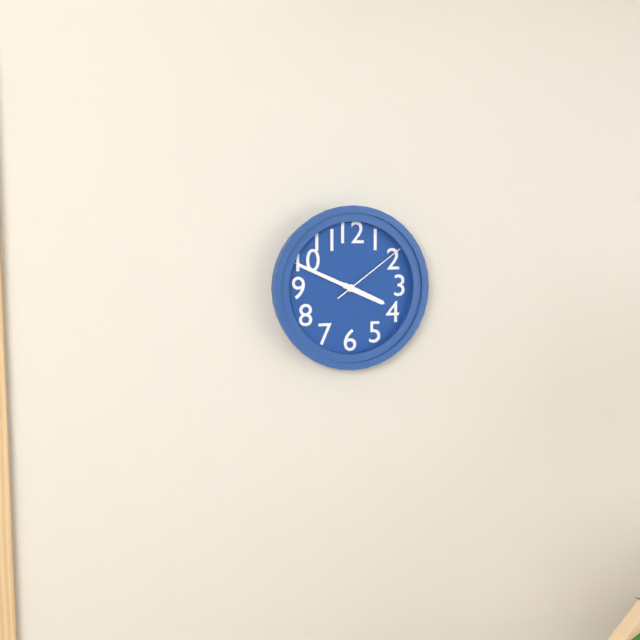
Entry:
3 h 49 min 09 s
